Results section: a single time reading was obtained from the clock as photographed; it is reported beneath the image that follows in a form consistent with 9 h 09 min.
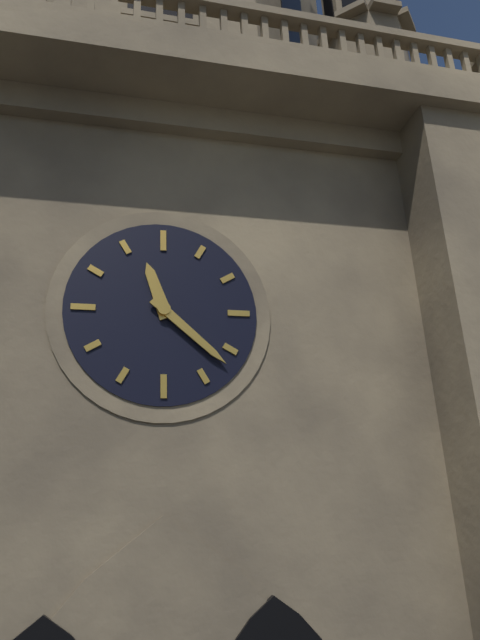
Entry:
11 h 22 min
